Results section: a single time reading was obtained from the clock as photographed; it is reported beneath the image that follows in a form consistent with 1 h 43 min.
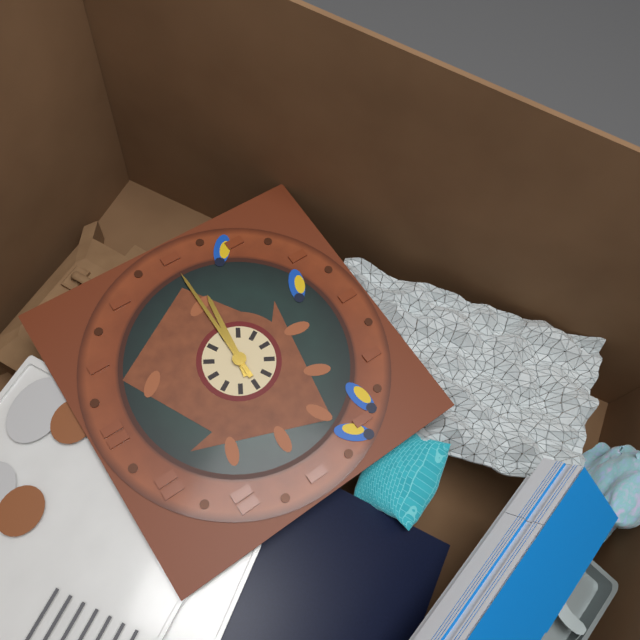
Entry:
3 h 15 min
